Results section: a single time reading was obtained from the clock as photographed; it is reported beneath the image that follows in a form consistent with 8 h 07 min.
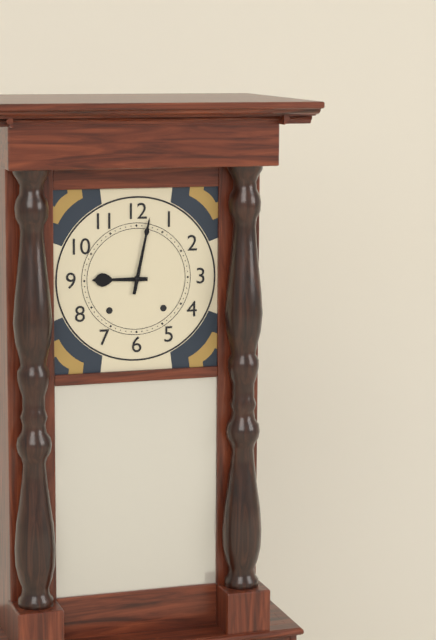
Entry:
9 h 02 min
